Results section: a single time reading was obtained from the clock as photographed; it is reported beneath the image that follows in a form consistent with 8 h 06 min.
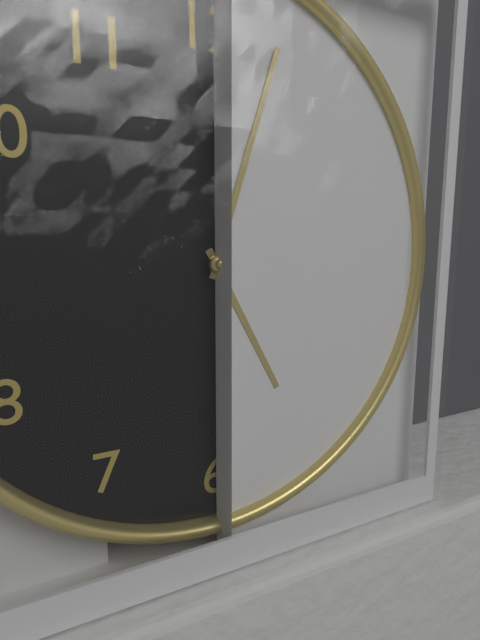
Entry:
5 h 03 min
